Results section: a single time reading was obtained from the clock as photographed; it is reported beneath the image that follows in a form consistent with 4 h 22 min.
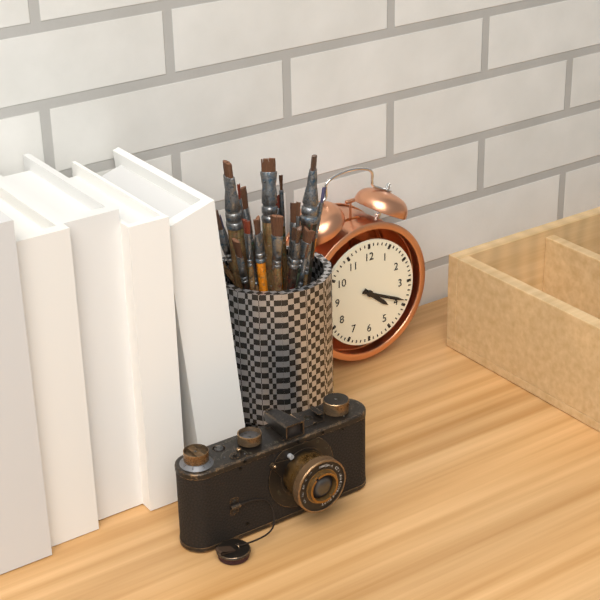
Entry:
4 h 19 min
